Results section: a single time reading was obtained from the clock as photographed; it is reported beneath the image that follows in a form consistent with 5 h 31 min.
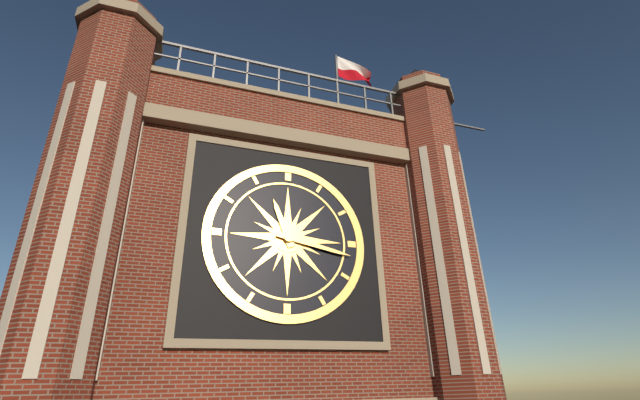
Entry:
11 h 17 min
